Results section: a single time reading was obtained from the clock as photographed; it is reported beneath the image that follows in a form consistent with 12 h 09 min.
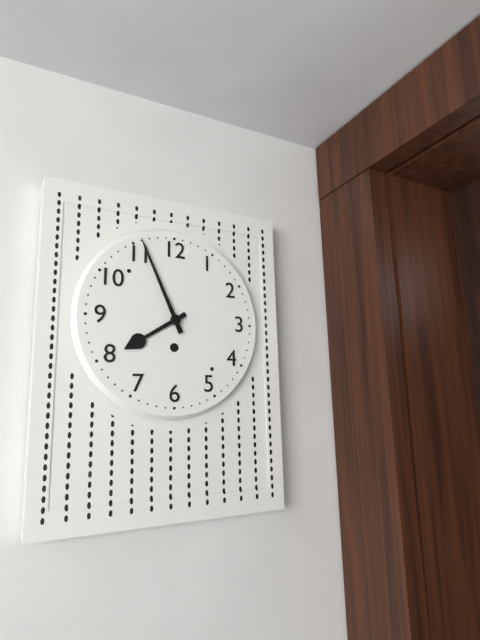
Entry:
7 h 56 min
